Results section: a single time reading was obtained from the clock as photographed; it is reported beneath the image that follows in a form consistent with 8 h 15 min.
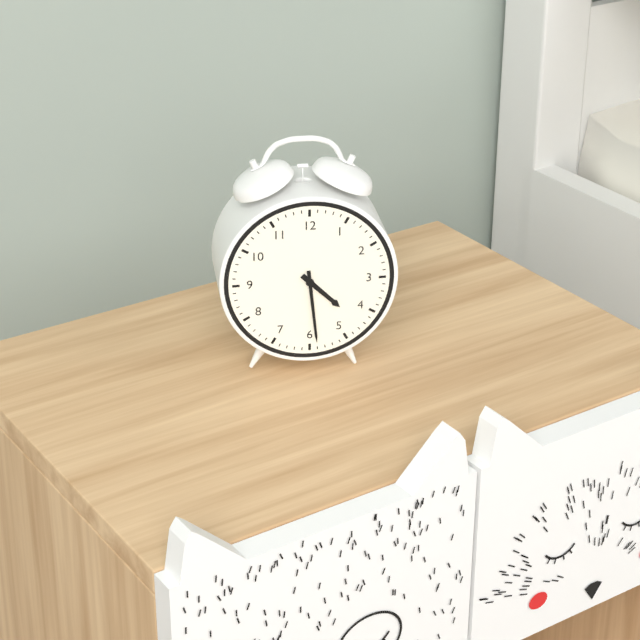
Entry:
4 h 29 min
